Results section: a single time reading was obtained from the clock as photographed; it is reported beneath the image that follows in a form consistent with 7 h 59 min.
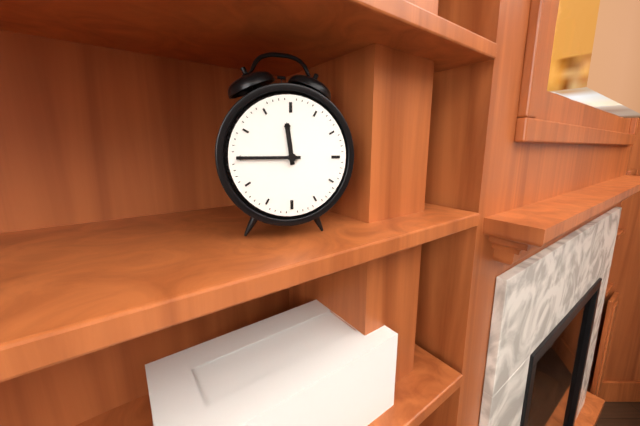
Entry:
11 h 45 min
